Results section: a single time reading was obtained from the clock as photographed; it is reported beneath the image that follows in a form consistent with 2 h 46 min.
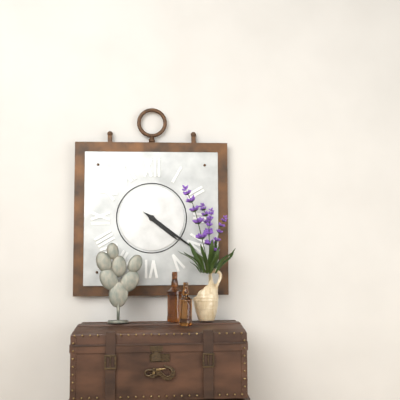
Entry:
4 h 21 min
